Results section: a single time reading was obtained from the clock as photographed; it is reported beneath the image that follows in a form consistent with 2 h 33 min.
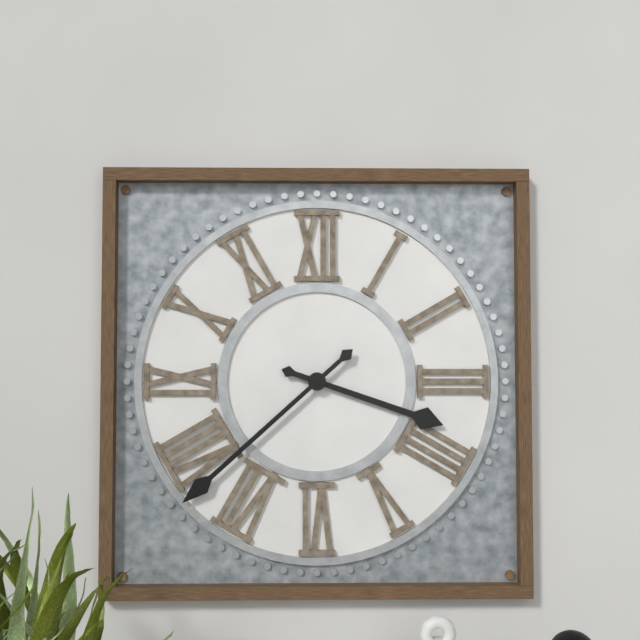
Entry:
3 h 38 min
